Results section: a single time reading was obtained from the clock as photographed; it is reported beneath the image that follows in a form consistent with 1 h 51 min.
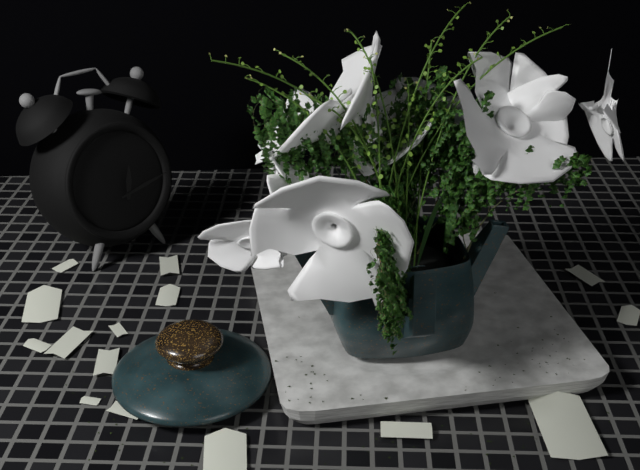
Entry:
12 h 13 min
